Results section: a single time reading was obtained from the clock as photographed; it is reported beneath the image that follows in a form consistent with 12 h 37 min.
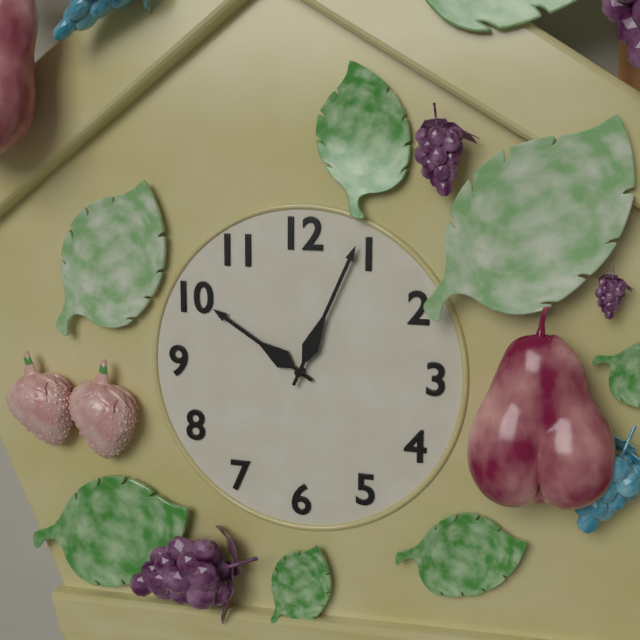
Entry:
10 h 04 min
